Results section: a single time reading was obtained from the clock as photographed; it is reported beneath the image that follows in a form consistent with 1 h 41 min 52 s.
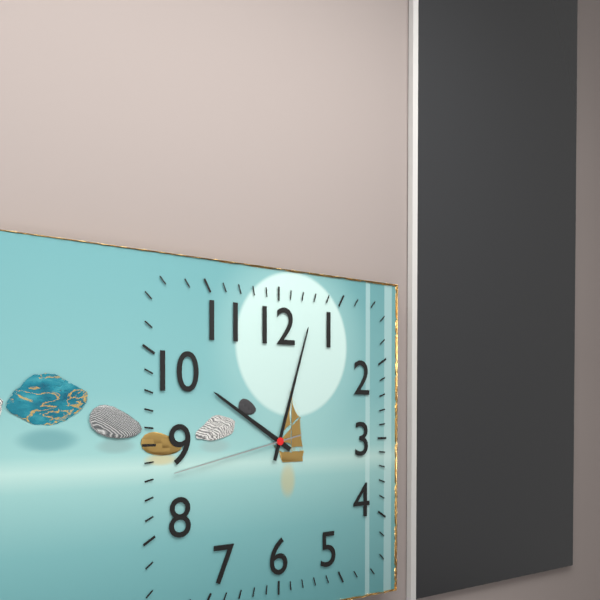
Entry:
10 h 03 min 43 s
